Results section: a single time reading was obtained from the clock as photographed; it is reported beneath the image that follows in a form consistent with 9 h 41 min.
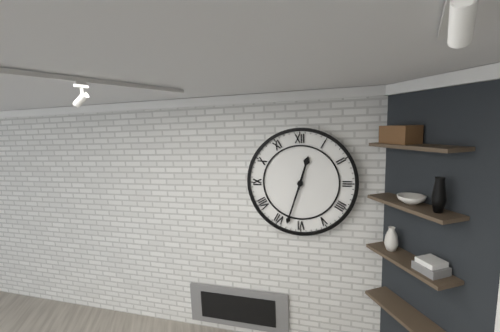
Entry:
12 h 33 min
